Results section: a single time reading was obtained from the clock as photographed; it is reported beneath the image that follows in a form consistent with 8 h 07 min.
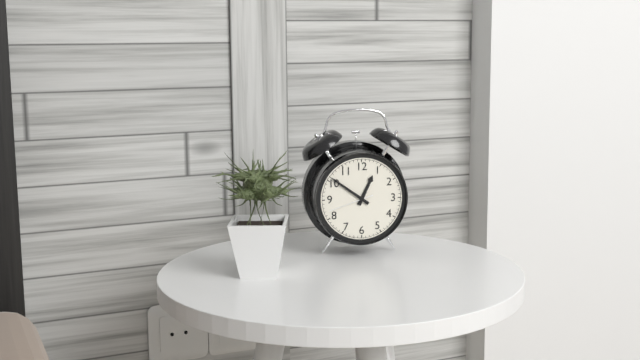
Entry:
12 h 51 min
